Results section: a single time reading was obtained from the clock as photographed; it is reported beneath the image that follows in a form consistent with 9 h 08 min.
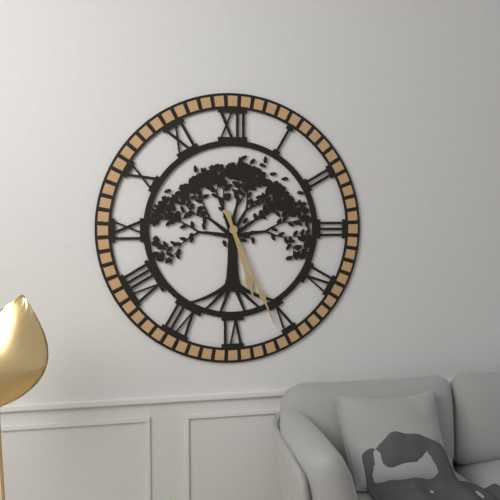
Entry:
5 h 26 min
